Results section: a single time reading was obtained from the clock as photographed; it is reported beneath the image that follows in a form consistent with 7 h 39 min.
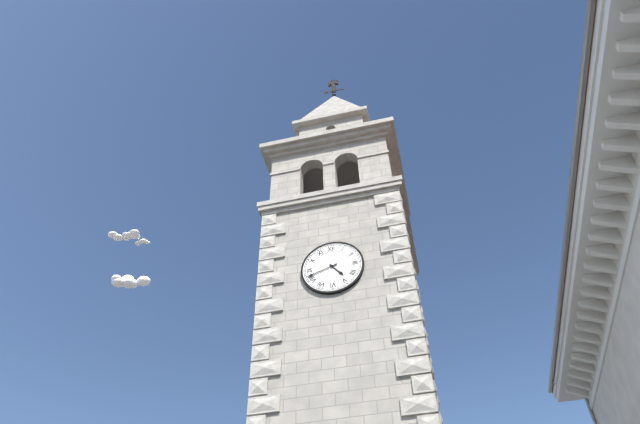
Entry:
4 h 42 min
